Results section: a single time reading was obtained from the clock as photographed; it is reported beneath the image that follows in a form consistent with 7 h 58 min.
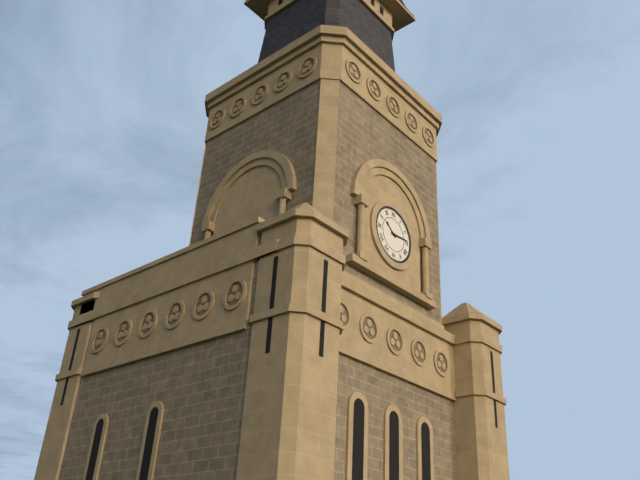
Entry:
10 h 14 min
